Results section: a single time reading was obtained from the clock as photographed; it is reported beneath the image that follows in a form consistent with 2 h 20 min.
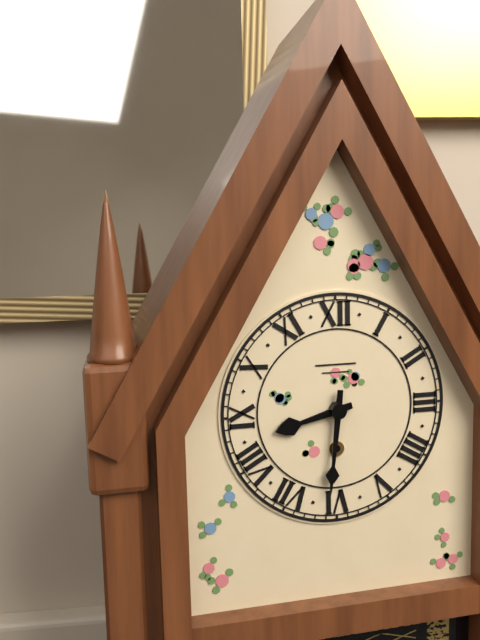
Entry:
8 h 31 min
